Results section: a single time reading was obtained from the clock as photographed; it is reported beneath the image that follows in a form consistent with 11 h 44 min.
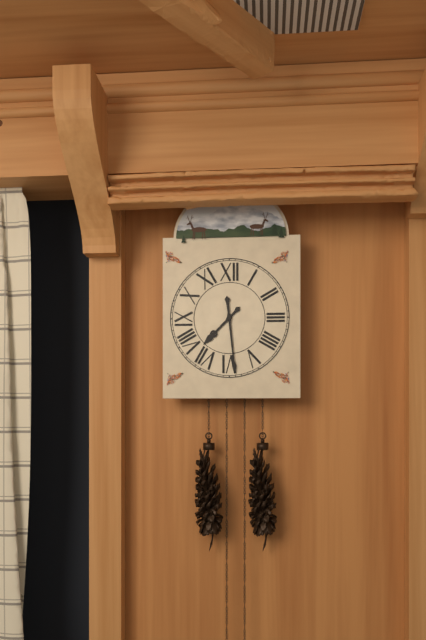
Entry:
7 h 29 min
